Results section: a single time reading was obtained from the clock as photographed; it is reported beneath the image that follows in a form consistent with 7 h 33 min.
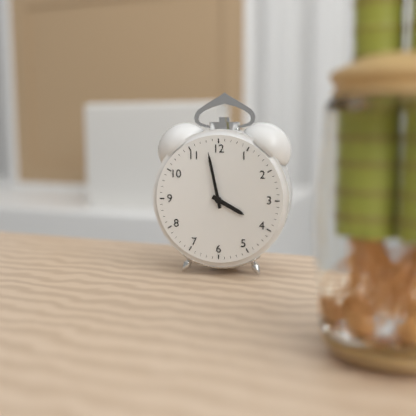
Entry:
3 h 58 min
